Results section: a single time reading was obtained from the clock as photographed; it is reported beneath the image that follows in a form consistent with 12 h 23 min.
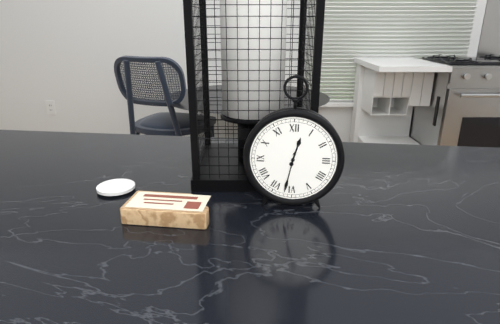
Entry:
12 h 32 min
